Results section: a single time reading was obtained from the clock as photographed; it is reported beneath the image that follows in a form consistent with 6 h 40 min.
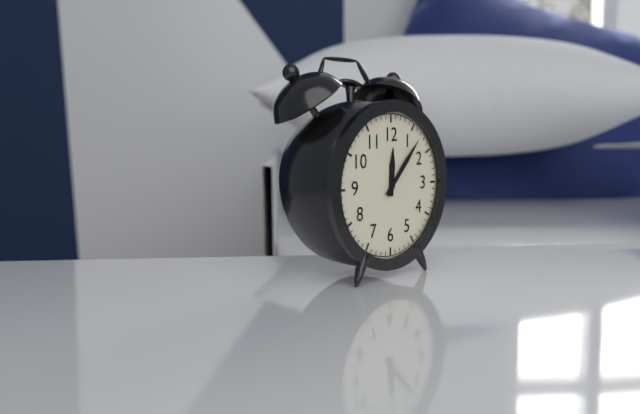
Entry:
12 h 07 min
